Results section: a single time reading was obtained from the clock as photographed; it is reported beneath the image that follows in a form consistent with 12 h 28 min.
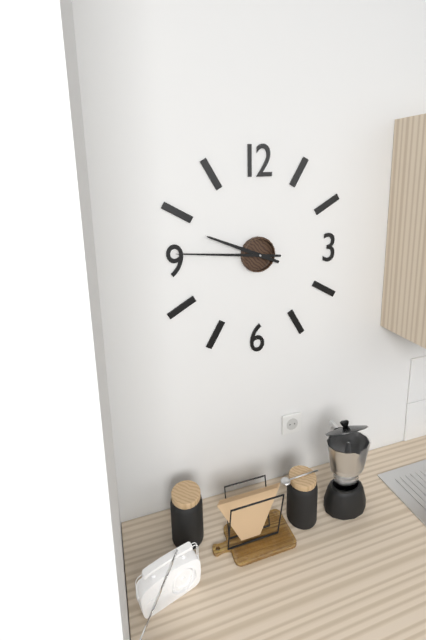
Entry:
9 h 46 min
